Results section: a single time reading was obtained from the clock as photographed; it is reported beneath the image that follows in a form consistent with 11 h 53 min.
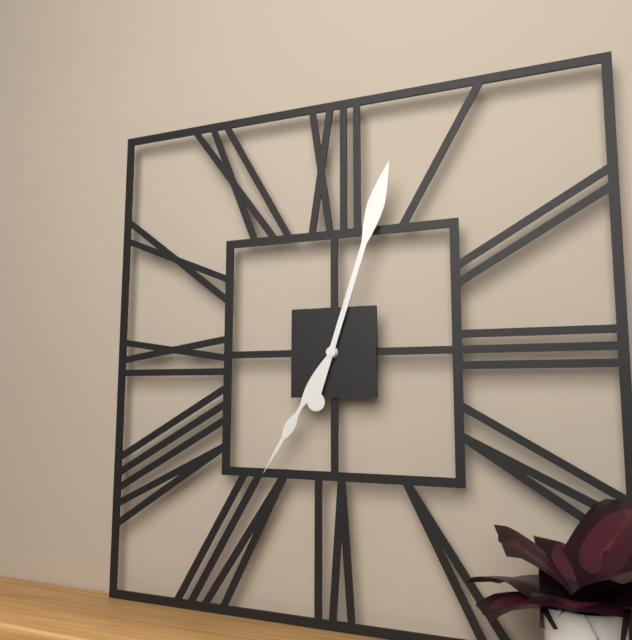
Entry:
7 h 03 min
